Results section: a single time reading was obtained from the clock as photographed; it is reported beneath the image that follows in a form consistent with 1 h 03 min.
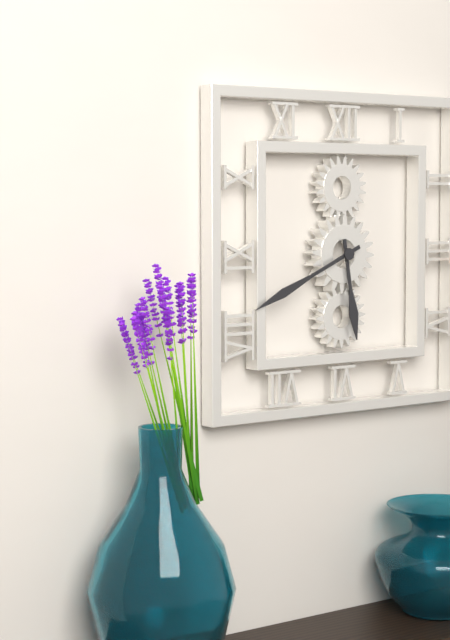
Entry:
5 h 41 min
